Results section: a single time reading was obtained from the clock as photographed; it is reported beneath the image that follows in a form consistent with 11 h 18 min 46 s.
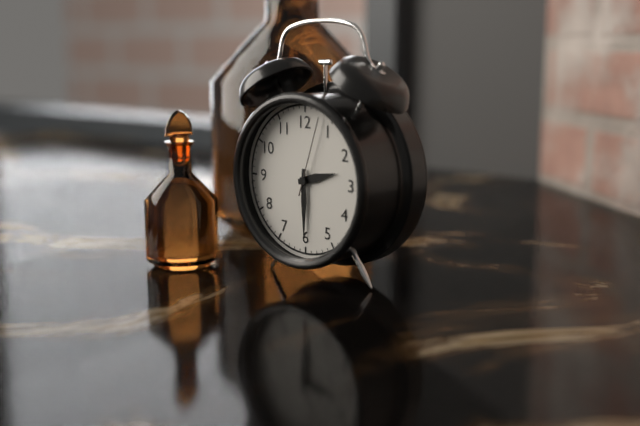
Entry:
2 h 30 min 03 s
